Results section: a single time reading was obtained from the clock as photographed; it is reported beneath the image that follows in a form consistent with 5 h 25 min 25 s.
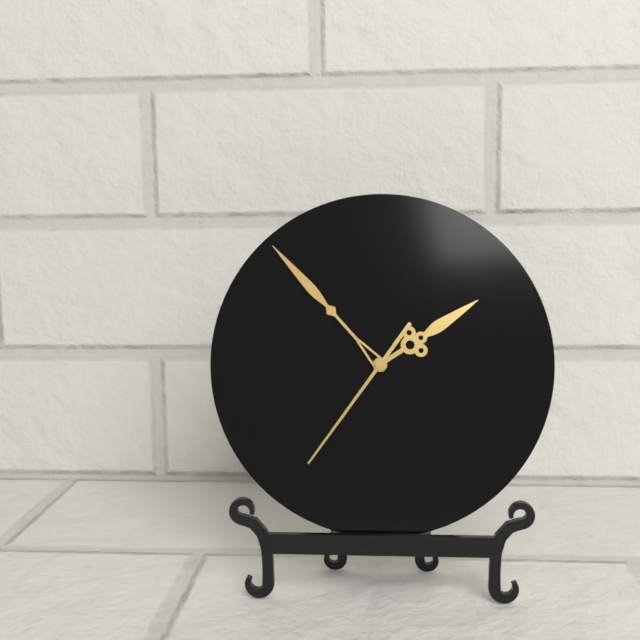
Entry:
1 h 53 min 36 s
